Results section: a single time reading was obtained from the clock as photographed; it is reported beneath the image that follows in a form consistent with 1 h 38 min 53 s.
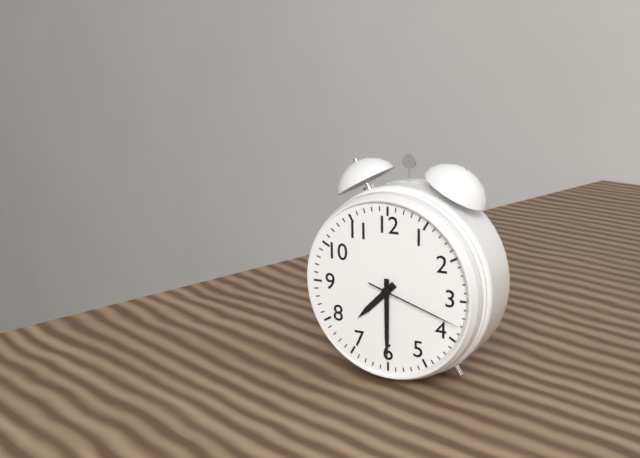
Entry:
7 h 30 min 18 s
